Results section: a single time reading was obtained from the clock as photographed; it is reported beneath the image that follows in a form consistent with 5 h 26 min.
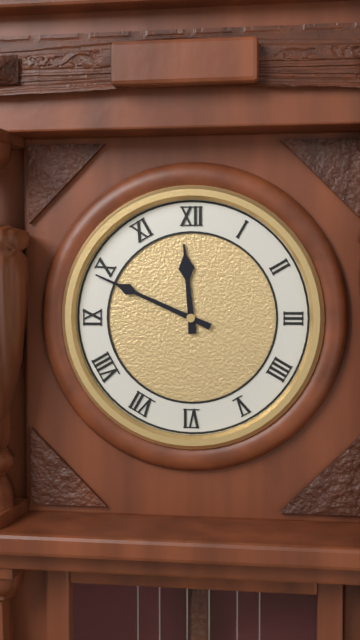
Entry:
11 h 49 min
